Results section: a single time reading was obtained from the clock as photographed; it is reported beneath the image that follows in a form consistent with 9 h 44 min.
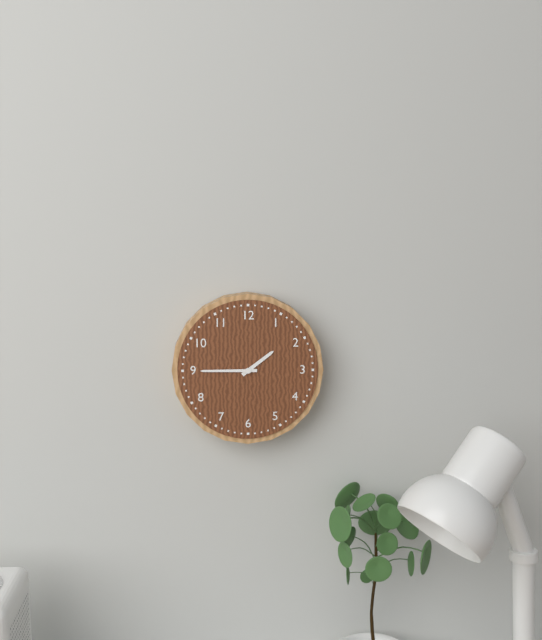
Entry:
1 h 45 min
